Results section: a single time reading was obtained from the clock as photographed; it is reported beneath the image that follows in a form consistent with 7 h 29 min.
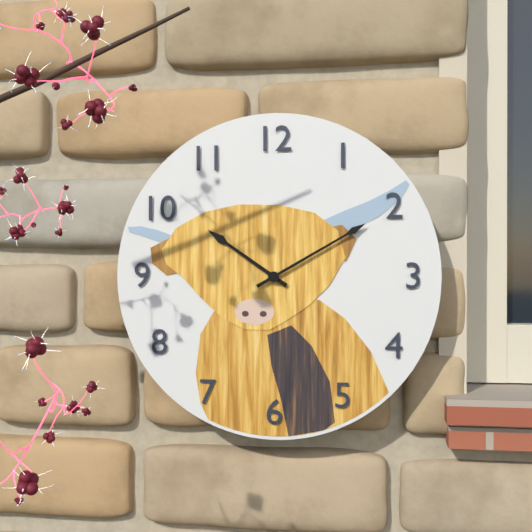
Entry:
10 h 10 min
